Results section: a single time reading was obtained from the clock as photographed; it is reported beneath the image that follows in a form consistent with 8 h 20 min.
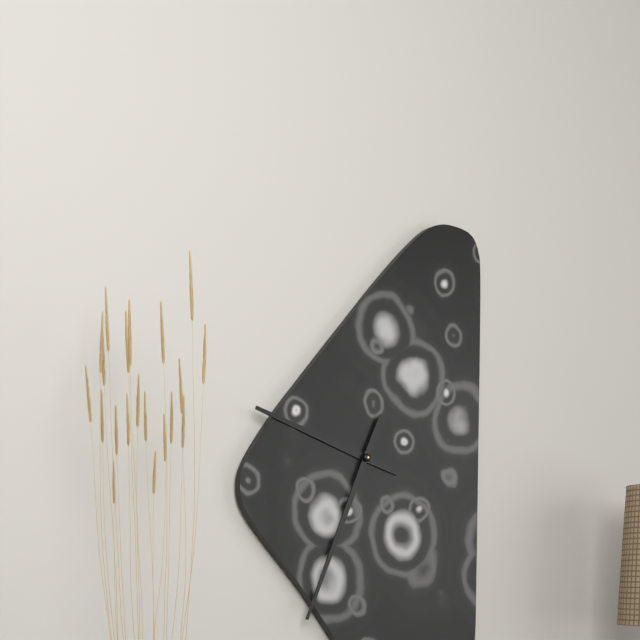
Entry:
9 h 34 min
